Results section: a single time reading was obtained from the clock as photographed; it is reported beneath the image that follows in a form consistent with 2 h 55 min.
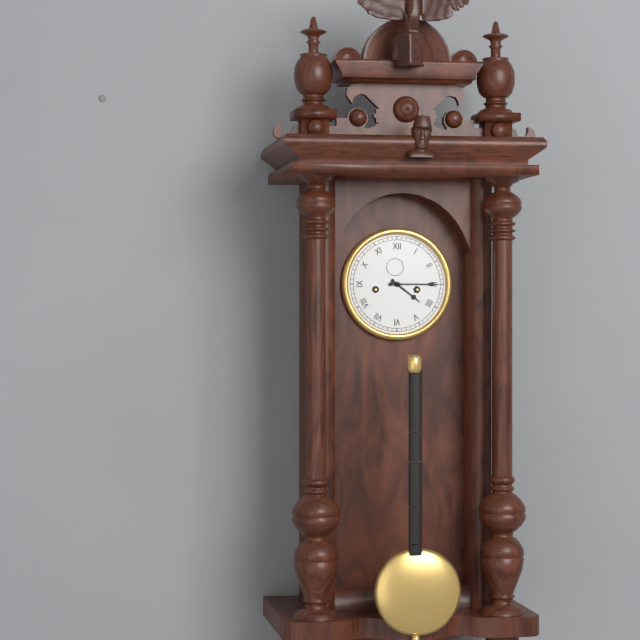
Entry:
4 h 15 min
